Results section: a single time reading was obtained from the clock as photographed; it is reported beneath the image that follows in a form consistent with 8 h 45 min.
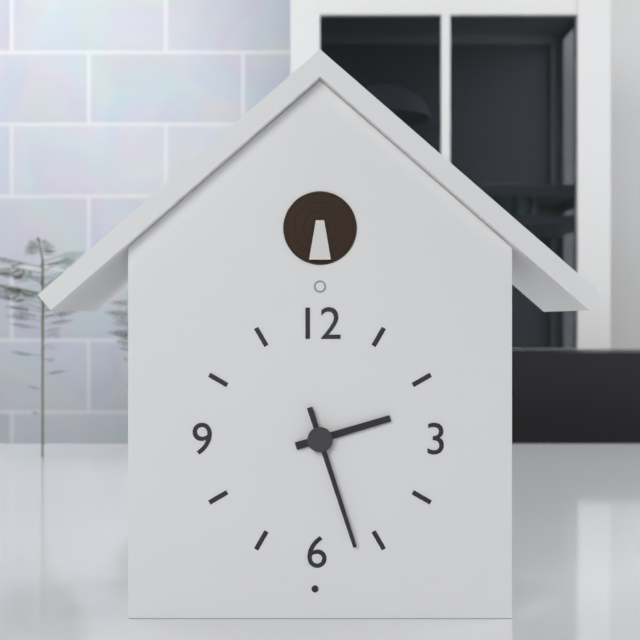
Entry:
2 h 27 min
